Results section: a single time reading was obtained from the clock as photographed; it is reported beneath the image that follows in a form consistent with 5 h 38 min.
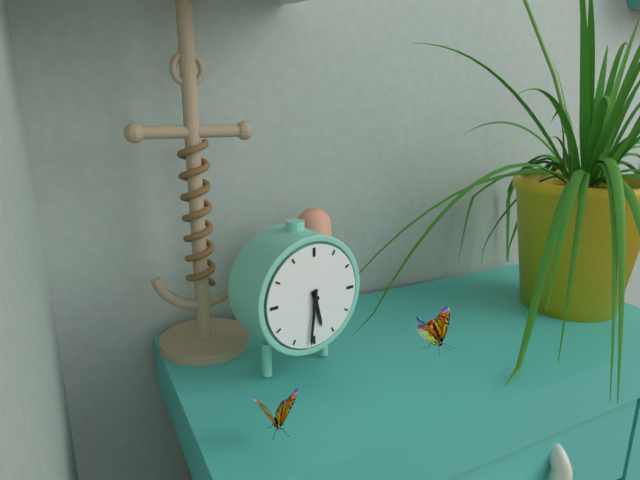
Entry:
5 h 31 min
